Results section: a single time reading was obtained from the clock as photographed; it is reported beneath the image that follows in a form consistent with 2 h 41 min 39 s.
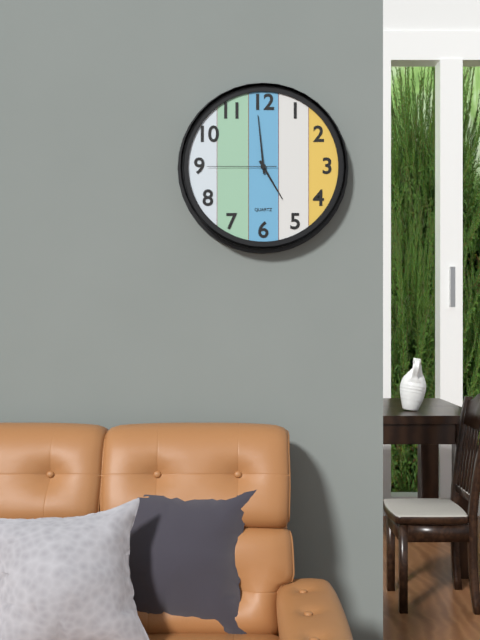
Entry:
4 h 59 min 45 s
